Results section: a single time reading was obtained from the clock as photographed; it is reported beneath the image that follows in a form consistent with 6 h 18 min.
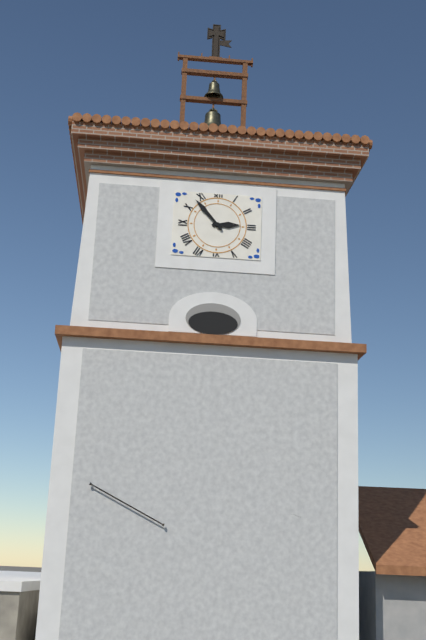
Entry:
2 h 53 min
